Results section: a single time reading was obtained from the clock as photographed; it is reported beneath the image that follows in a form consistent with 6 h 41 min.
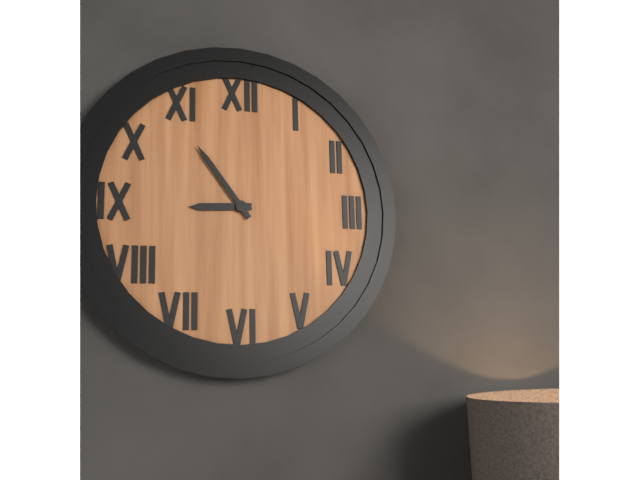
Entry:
8 h 54 min
